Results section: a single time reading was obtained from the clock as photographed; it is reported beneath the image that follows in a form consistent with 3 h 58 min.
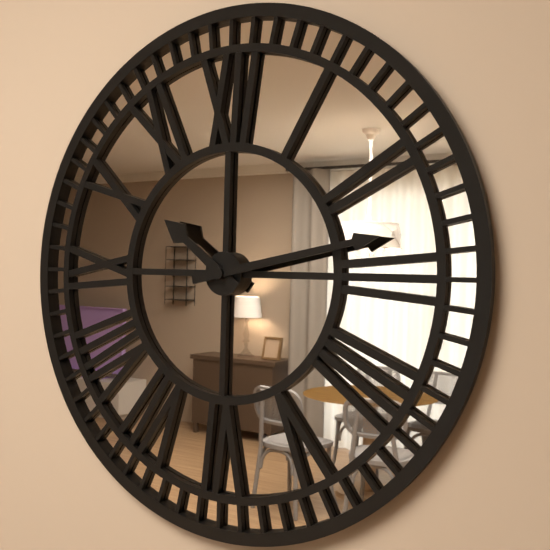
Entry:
10 h 13 min
